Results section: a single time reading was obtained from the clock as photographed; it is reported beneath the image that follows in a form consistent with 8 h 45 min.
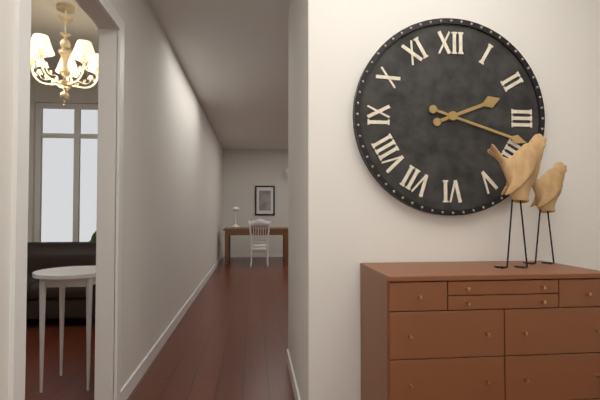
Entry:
2 h 18 min
